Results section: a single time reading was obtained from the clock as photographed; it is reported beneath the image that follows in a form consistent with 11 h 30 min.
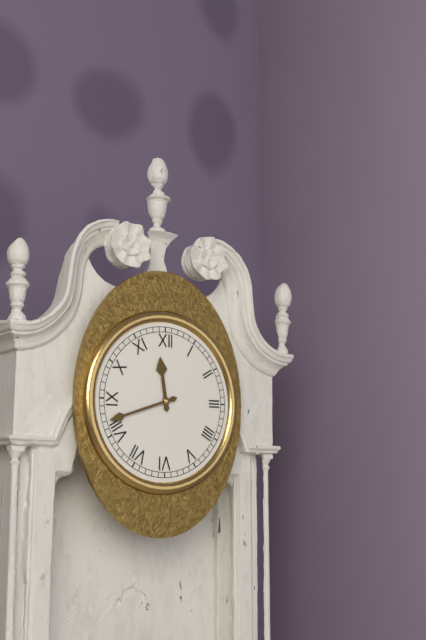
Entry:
11 h 42 min
